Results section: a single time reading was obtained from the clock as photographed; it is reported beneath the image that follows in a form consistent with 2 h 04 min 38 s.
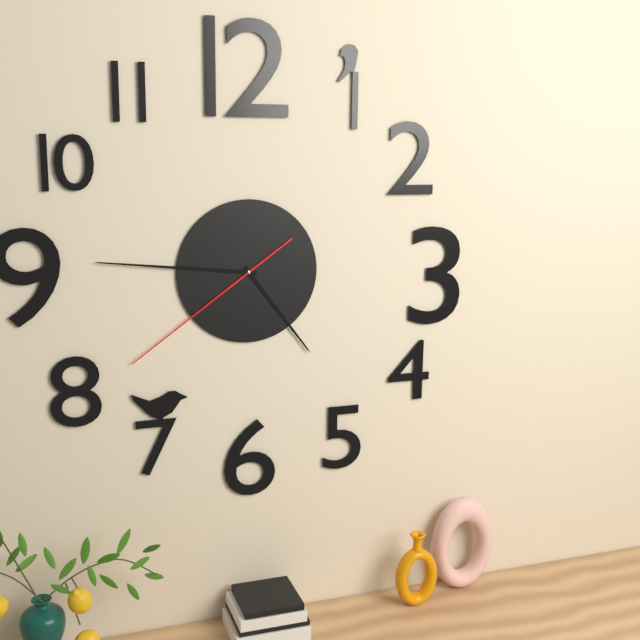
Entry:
4 h 46 min 39 s
